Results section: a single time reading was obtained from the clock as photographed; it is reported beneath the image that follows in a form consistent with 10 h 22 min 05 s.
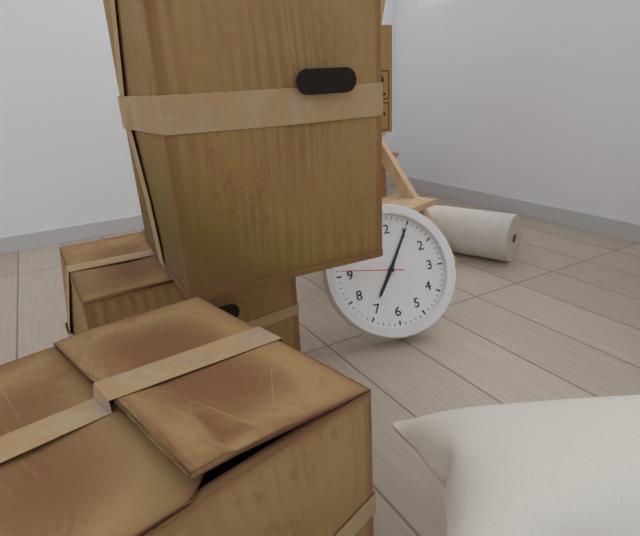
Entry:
7 h 05 min 46 s
